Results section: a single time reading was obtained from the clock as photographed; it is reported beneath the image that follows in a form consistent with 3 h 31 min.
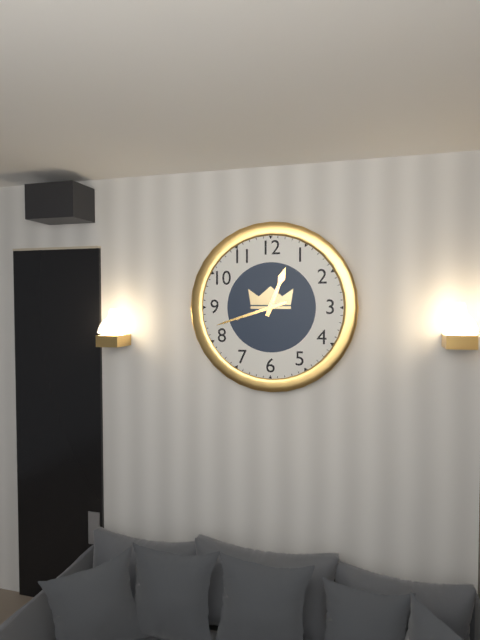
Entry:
12 h 42 min
